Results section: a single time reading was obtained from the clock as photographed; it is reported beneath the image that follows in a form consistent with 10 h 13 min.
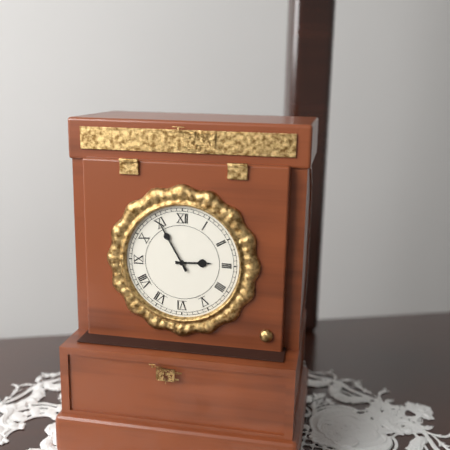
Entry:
2 h 55 min
